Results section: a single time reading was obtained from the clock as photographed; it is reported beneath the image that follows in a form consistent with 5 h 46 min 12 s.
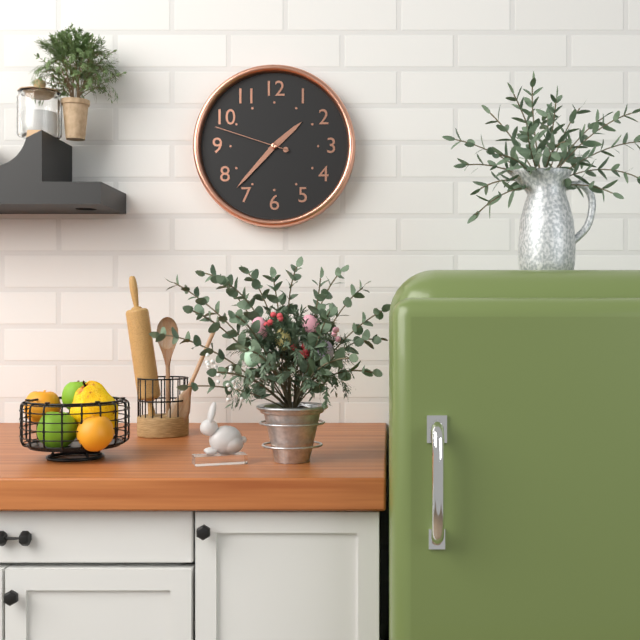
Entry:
1 h 37 min 48 s
